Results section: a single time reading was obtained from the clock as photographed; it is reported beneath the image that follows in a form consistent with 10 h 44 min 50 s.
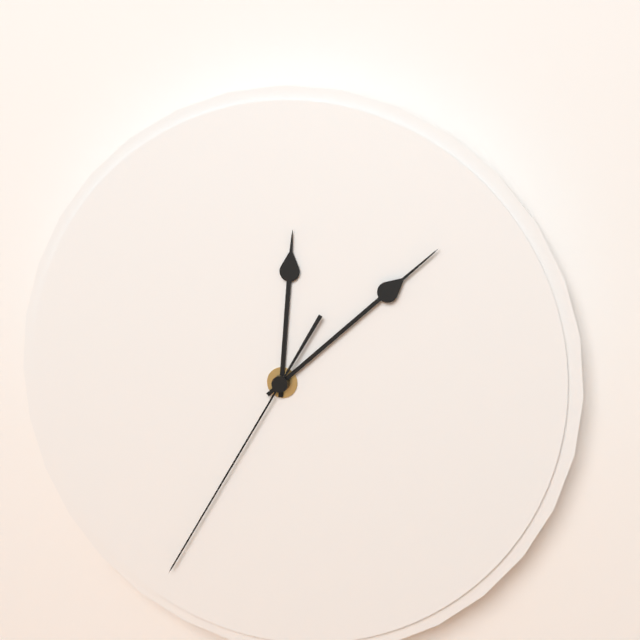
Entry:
12 h 08 min 35 s
